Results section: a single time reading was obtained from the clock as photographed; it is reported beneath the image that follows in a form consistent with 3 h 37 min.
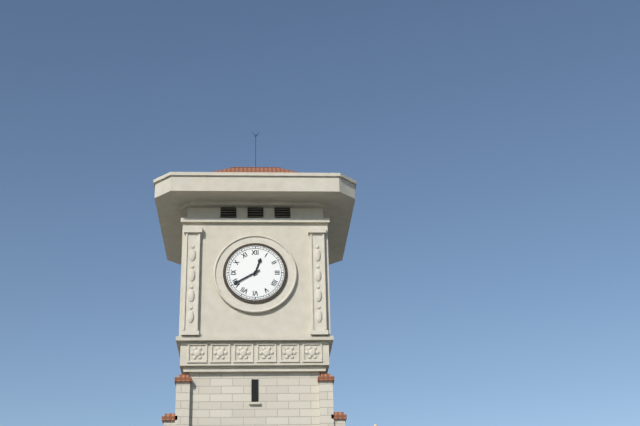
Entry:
12 h 40 min
